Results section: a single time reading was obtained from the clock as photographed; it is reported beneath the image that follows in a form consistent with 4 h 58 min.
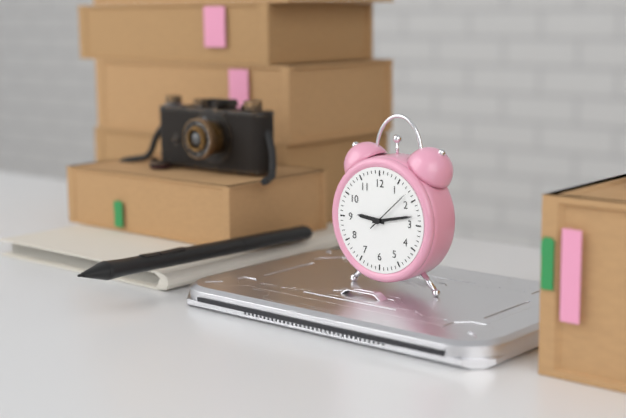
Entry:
9 h 13 min
